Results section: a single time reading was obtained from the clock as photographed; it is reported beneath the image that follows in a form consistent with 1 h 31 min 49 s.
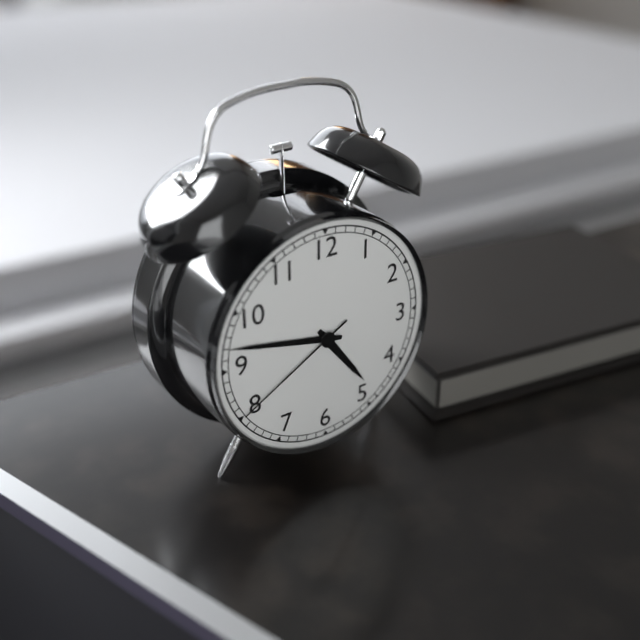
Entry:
4 h 47 min 40 s
